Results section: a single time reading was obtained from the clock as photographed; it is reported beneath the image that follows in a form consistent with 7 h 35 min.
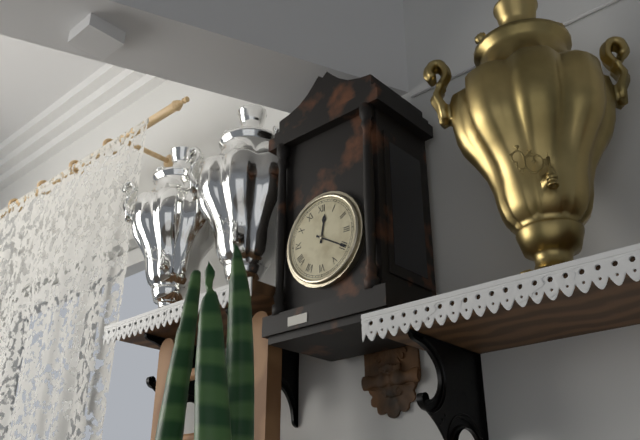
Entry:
12 h 20 min
